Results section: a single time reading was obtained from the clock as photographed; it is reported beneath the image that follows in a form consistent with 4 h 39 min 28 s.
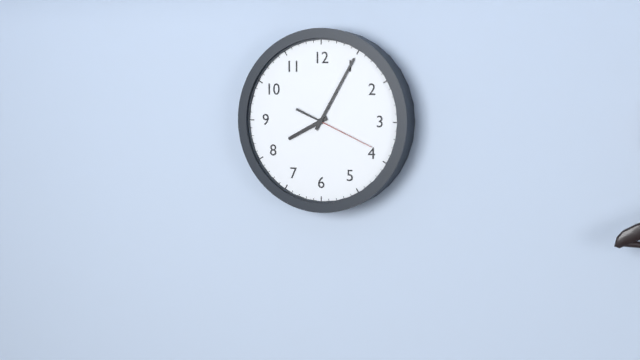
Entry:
8 h 05 min 19 s
